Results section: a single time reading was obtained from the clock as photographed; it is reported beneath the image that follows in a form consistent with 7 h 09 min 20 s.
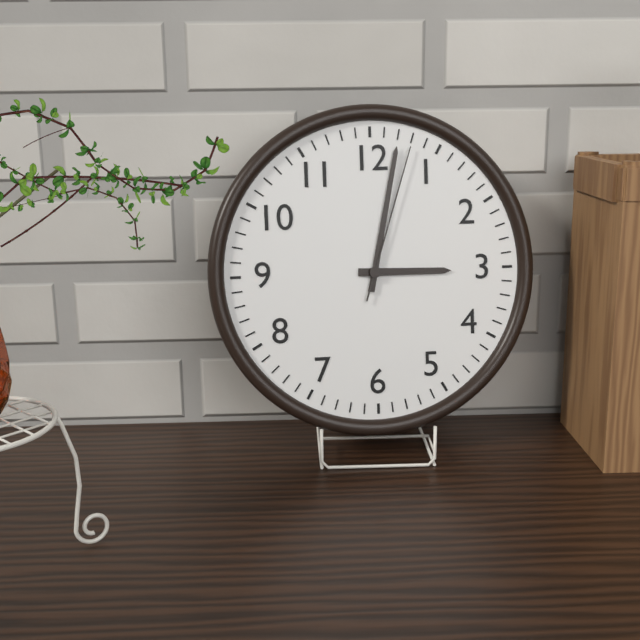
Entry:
3 h 02 min 03 s
